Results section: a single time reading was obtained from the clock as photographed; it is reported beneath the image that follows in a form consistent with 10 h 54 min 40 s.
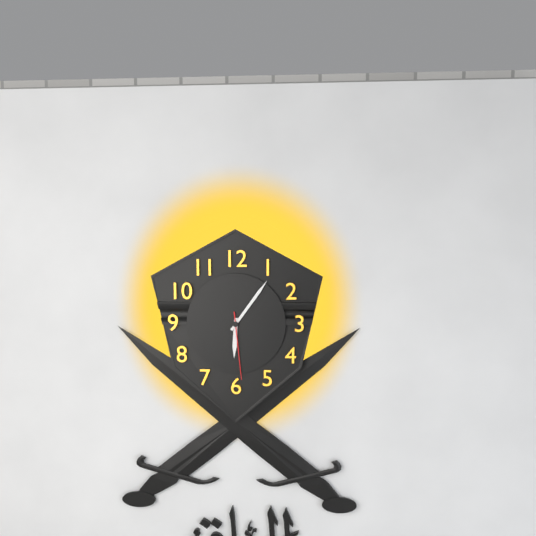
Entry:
6 h 06 min 29 s
